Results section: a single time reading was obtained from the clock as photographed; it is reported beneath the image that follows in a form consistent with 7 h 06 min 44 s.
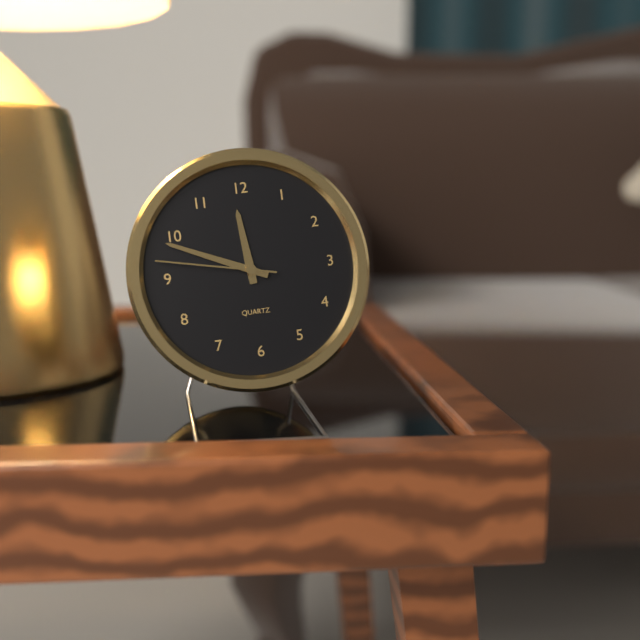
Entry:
11 h 49 min 47 s
